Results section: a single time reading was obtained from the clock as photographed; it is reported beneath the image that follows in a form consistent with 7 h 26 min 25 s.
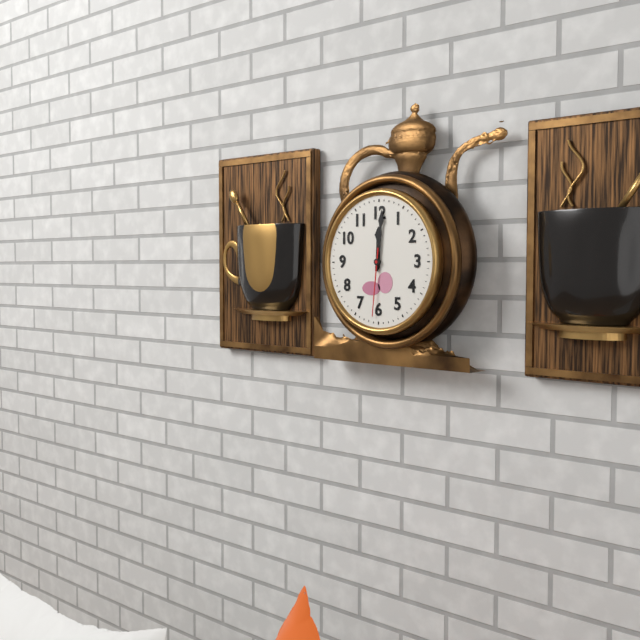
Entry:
12 h 01 min 31 s
